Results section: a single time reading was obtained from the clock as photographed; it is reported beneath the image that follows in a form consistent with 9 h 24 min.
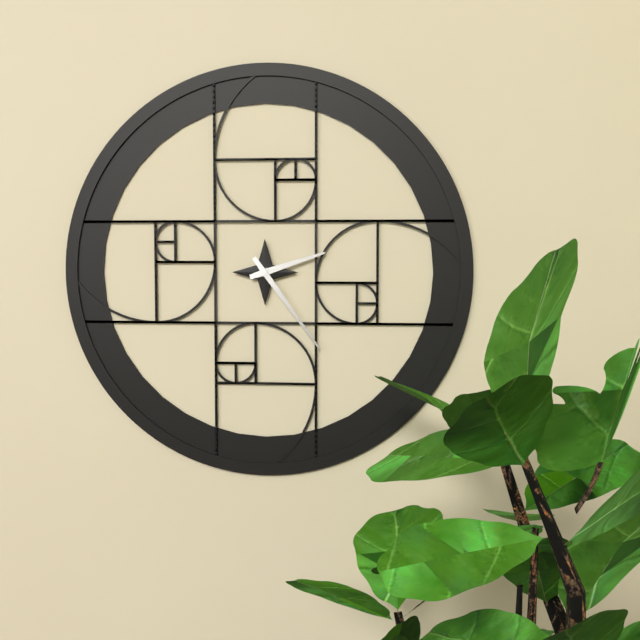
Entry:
2 h 24 min
